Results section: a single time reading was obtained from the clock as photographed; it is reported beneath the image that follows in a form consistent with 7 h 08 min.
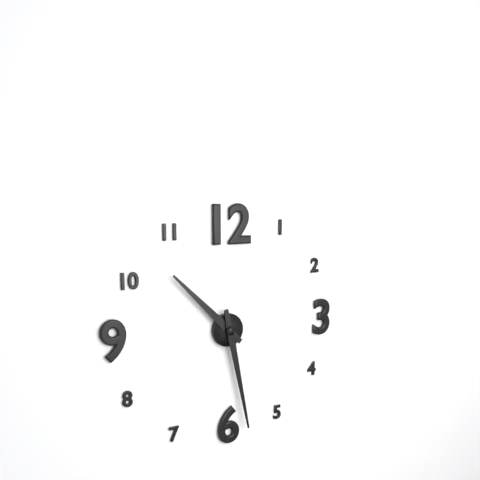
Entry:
10 h 28 min
